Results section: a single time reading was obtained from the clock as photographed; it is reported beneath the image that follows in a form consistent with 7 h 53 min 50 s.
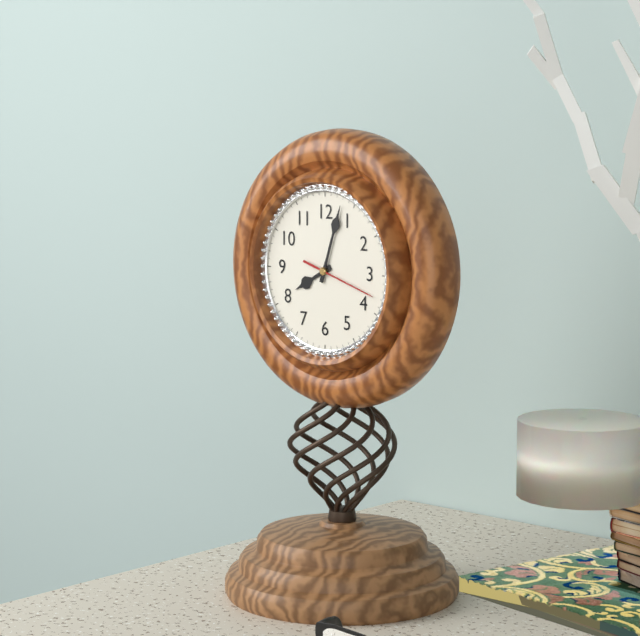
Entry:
8 h 03 min 18 s
